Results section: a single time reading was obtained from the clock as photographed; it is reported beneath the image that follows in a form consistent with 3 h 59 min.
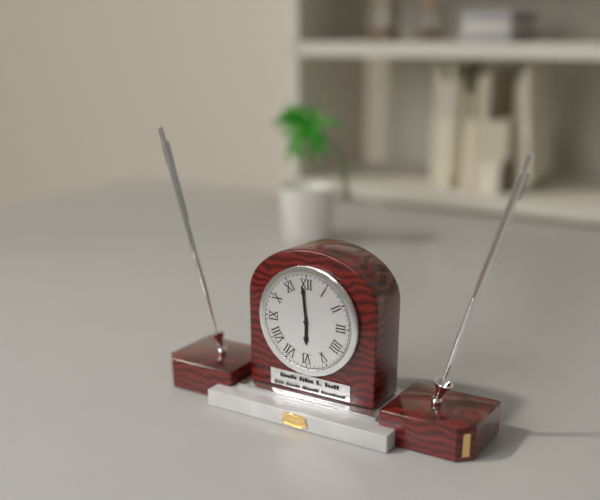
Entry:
5 h 59 min
